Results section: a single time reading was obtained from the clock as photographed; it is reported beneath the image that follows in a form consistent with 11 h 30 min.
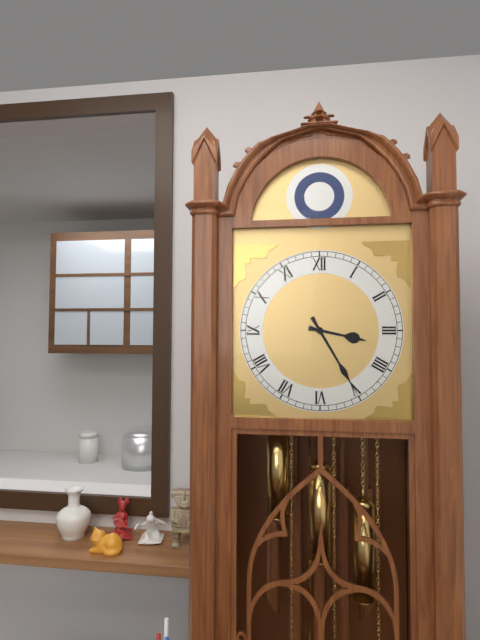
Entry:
3 h 25 min
